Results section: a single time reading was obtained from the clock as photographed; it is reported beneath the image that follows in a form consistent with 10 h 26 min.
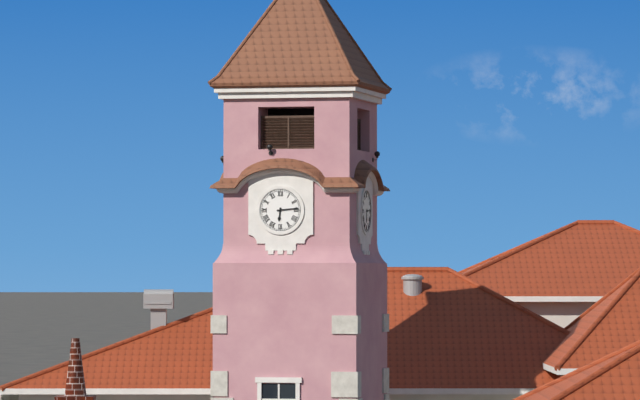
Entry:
6 h 14 min
